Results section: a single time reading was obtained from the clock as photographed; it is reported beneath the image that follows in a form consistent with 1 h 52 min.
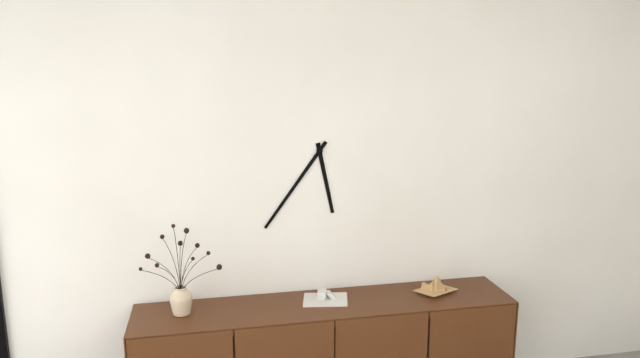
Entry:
5 h 36 min
